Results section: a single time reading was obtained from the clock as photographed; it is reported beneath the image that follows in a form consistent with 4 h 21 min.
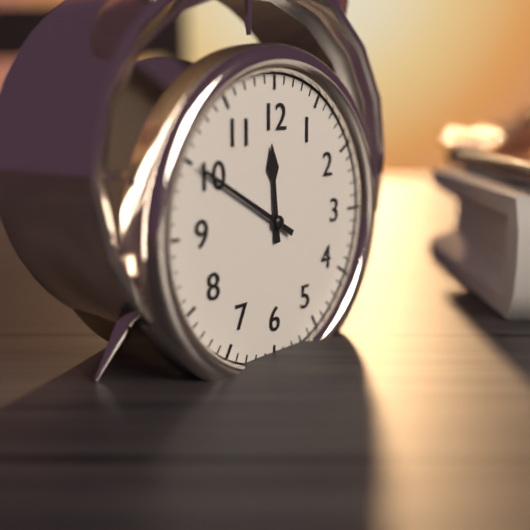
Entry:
11 h 50 min
